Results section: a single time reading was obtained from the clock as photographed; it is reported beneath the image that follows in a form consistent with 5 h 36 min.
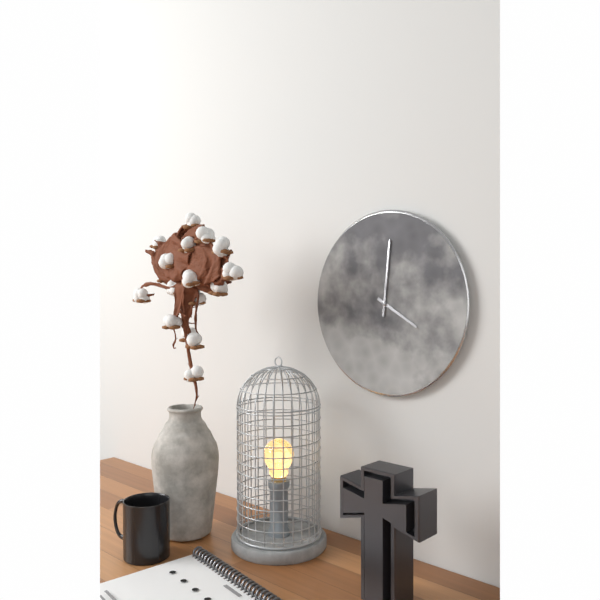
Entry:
4 h 01 min
